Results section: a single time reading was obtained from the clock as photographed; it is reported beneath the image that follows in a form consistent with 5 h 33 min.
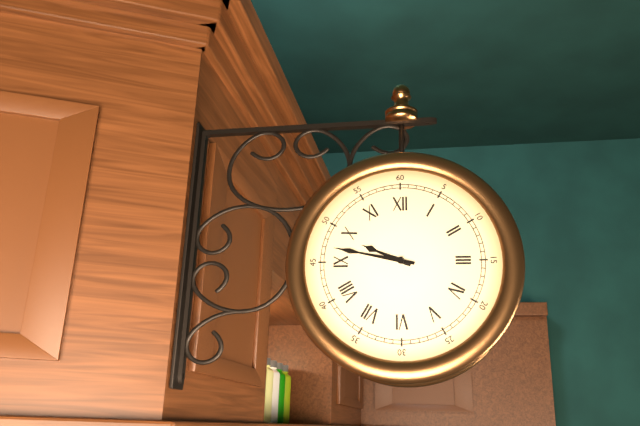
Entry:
9 h 47 min
